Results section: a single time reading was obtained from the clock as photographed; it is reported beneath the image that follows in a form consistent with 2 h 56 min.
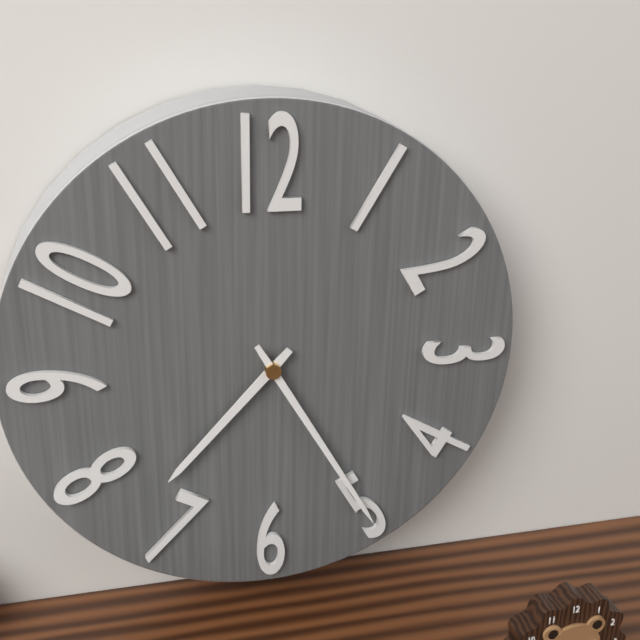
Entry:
7 h 25 min
